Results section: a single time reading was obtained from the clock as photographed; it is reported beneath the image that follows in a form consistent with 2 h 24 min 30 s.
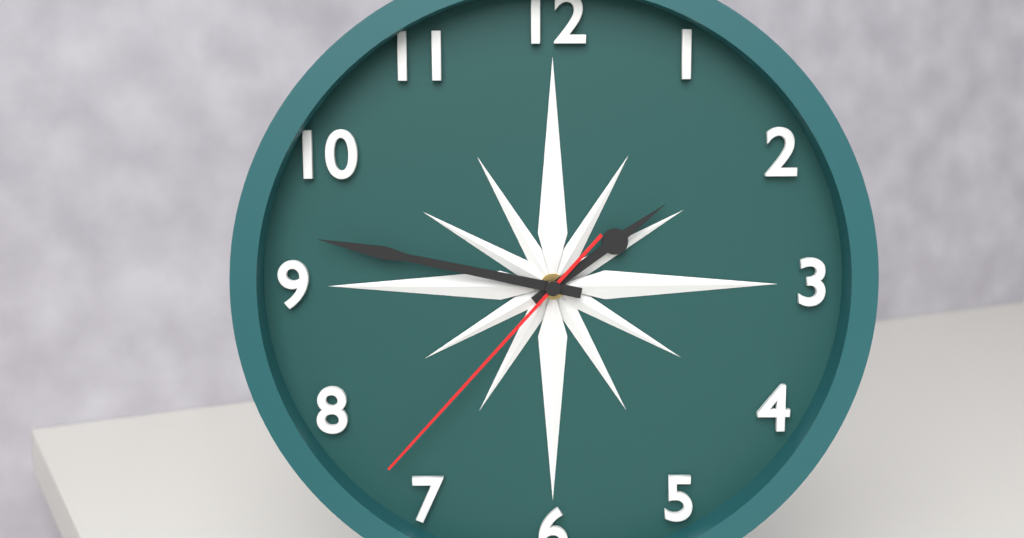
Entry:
1 h 47 min 37 s
